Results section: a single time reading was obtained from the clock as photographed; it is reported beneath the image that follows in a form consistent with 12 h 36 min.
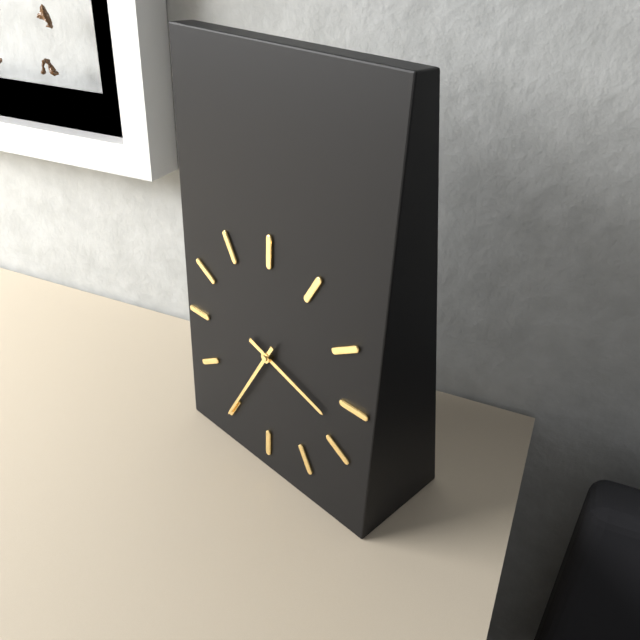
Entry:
3 h 35 min
